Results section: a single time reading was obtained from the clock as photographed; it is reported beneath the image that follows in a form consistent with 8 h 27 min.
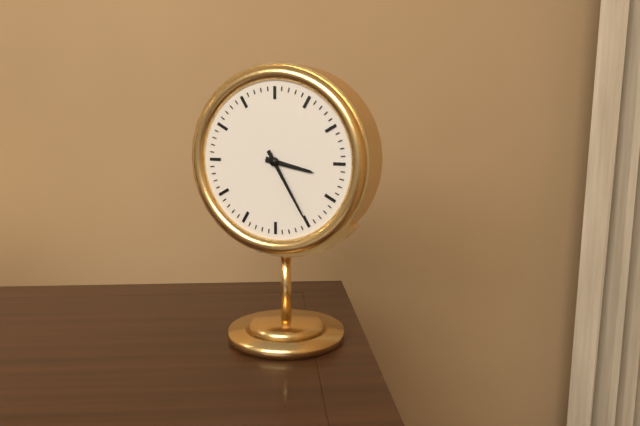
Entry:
3 h 25 min
